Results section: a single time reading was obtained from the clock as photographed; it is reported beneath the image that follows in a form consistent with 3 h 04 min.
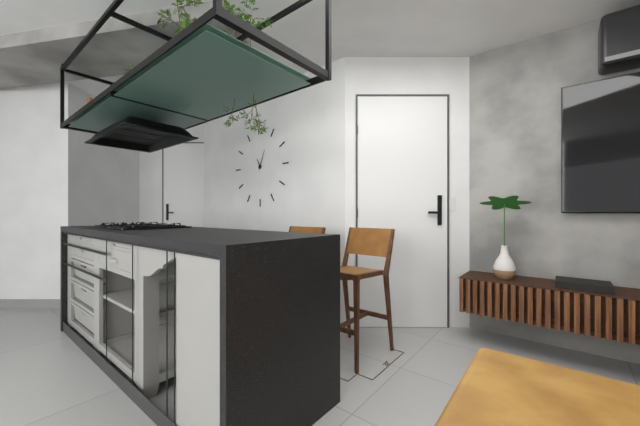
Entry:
11 h 04 min
